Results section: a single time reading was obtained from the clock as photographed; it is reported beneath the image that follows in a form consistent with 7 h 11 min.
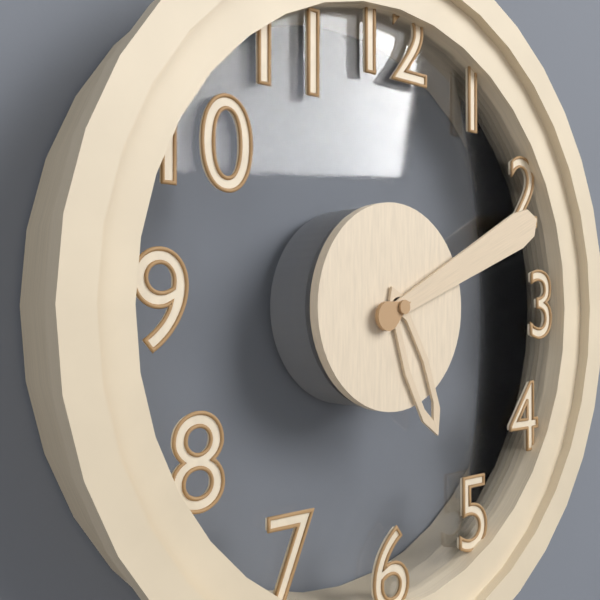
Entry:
5 h 11 min
